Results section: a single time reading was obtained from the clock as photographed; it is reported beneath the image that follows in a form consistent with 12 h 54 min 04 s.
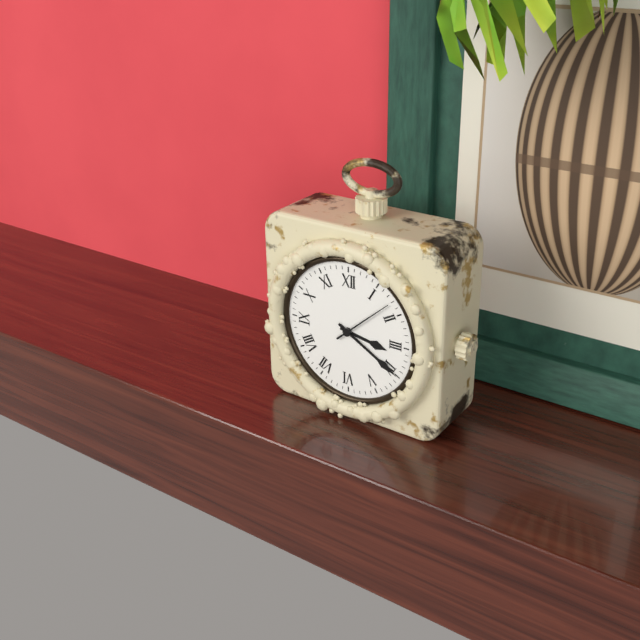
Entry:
3 h 20 min 08 s
